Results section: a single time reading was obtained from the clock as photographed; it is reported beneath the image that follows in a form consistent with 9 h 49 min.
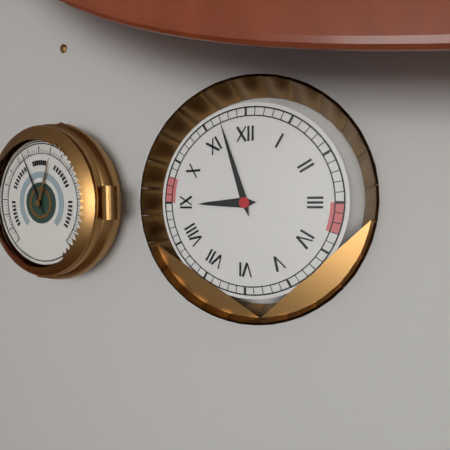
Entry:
8 h 57 min
